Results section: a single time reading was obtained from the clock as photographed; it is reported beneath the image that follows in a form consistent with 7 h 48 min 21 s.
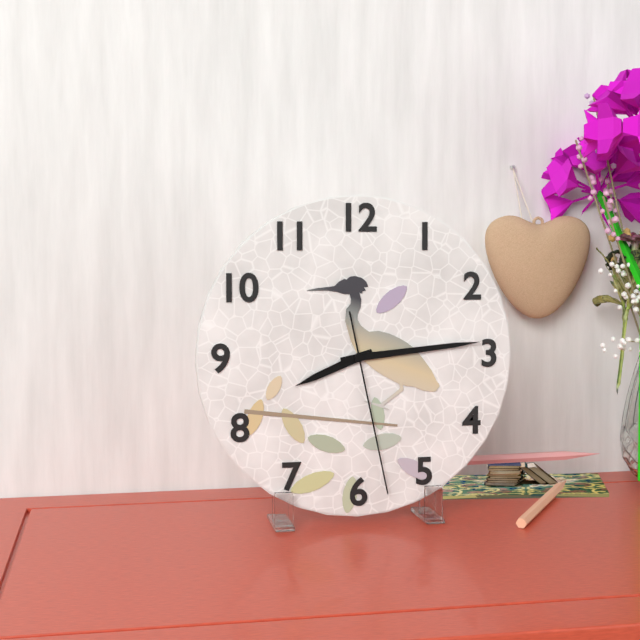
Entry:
8 h 14 min 28 s
